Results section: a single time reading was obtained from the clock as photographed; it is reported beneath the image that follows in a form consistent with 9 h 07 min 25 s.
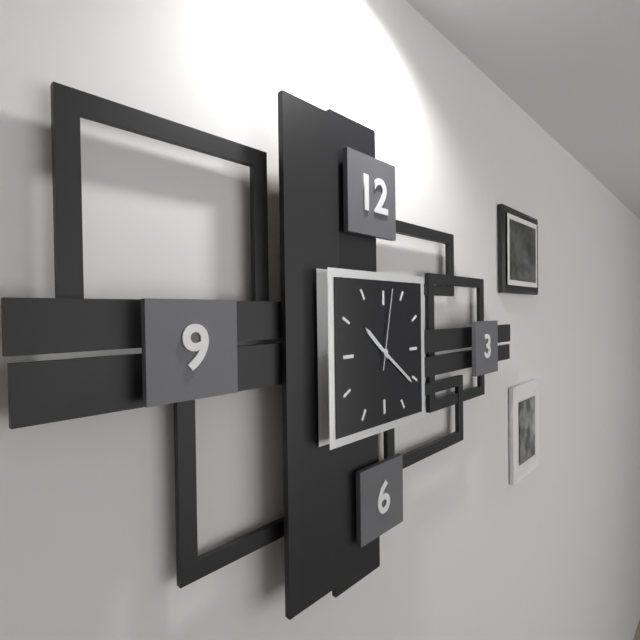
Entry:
10 h 21 min 02 s
